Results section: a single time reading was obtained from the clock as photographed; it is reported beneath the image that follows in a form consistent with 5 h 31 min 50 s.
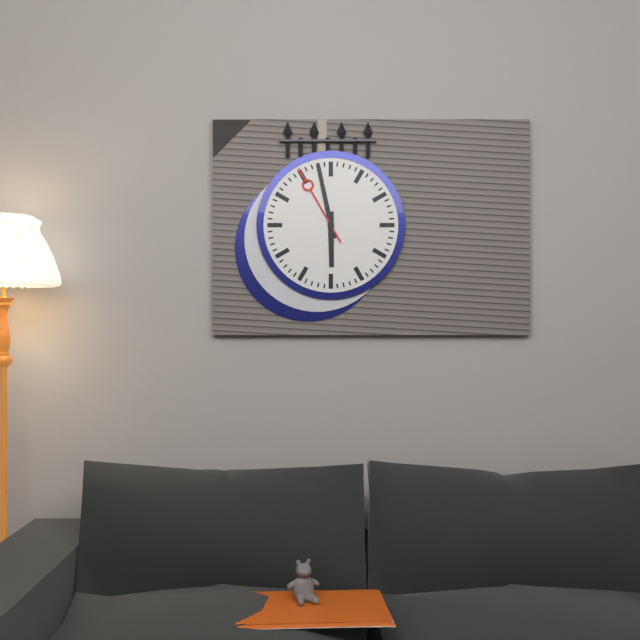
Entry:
5 h 58 min 55 s
